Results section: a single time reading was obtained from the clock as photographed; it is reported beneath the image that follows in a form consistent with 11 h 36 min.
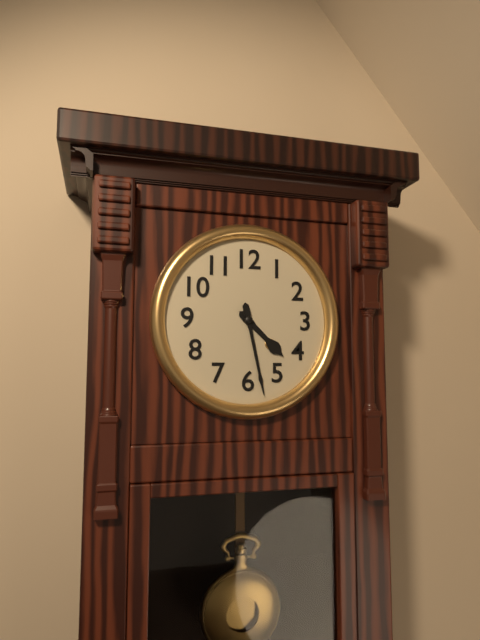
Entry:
4 h 28 min
